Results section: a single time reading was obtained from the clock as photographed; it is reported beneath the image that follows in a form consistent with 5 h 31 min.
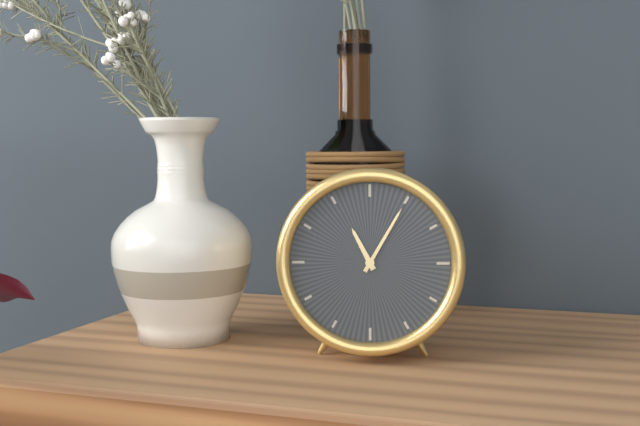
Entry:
11 h 05 min
